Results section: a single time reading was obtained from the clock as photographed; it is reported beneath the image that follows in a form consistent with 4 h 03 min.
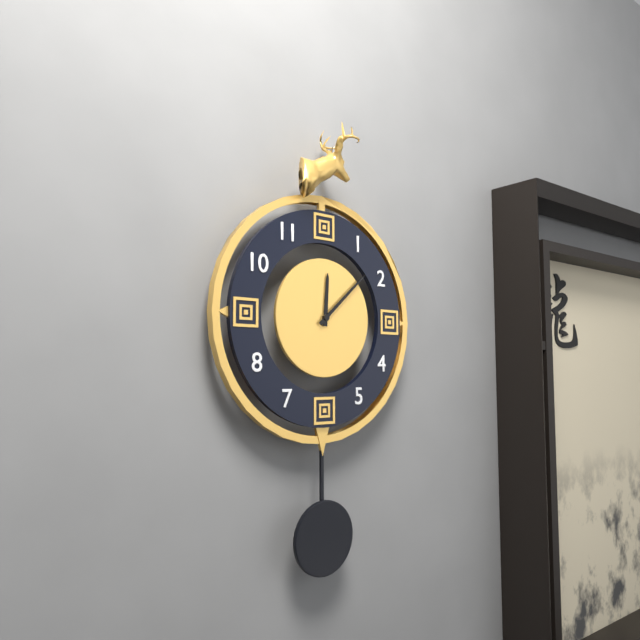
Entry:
12 h 08 min
